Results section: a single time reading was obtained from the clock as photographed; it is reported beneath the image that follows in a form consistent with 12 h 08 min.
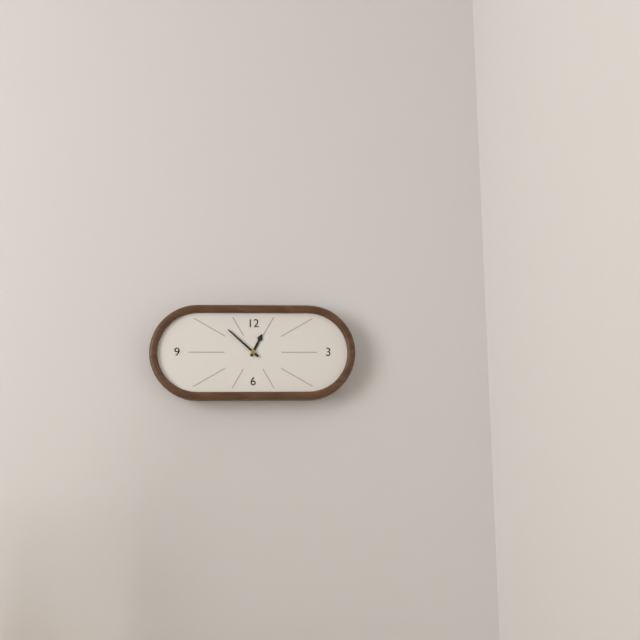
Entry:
12 h 52 min
